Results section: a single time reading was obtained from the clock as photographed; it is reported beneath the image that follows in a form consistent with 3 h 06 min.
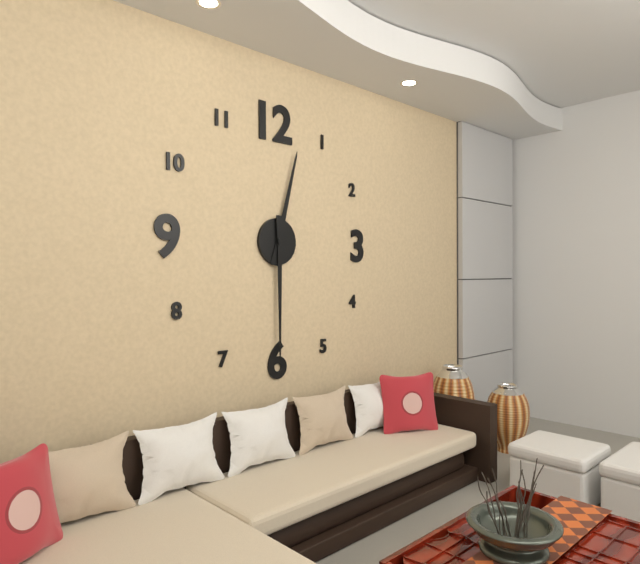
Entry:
12 h 30 min
